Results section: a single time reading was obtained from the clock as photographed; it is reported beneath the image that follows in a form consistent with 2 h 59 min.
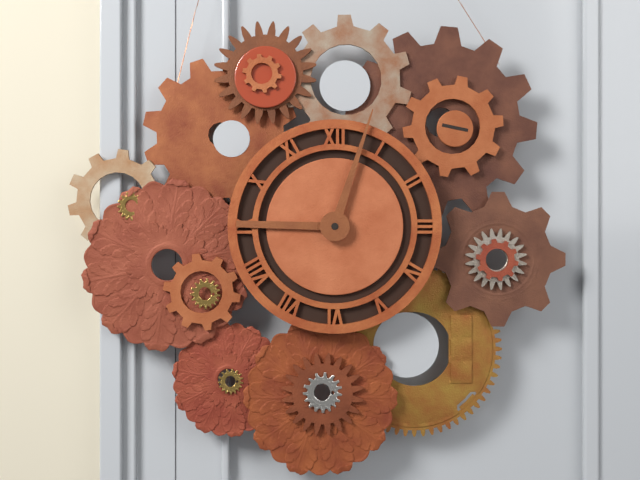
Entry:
9 h 03 min
